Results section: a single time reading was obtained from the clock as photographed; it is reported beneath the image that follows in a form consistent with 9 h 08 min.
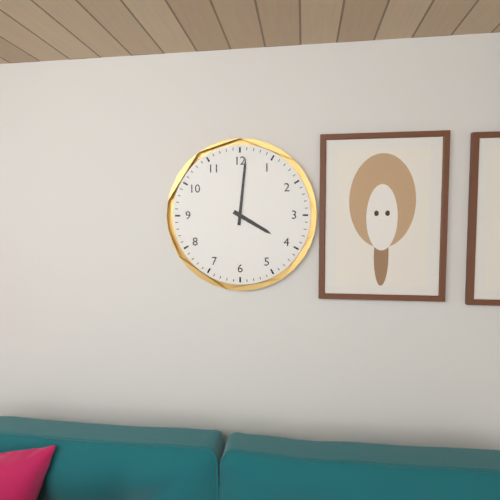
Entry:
4 h 01 min
